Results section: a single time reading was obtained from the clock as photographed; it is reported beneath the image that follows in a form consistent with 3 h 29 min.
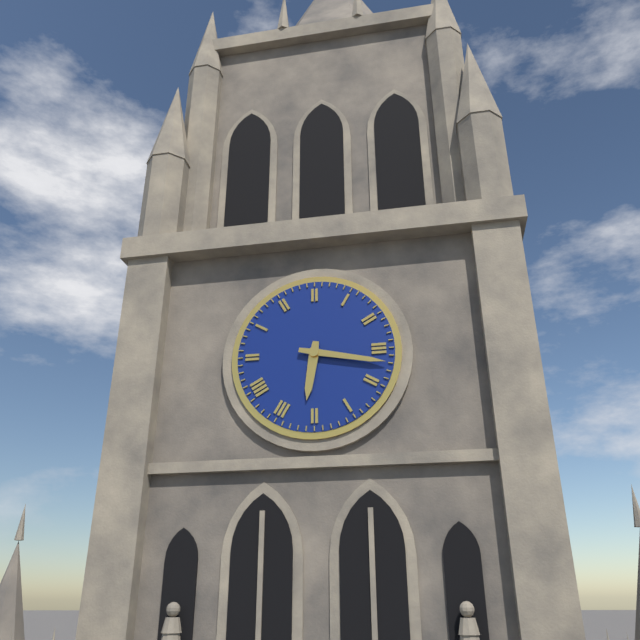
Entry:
6 h 17 min
